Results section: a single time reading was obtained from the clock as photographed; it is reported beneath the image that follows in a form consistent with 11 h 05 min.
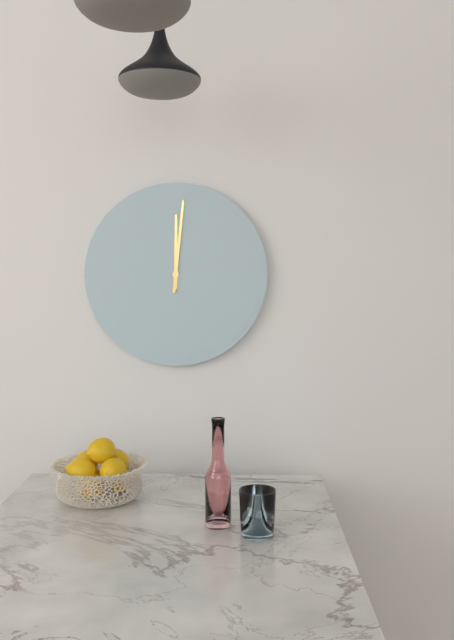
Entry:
12 h 01 min
